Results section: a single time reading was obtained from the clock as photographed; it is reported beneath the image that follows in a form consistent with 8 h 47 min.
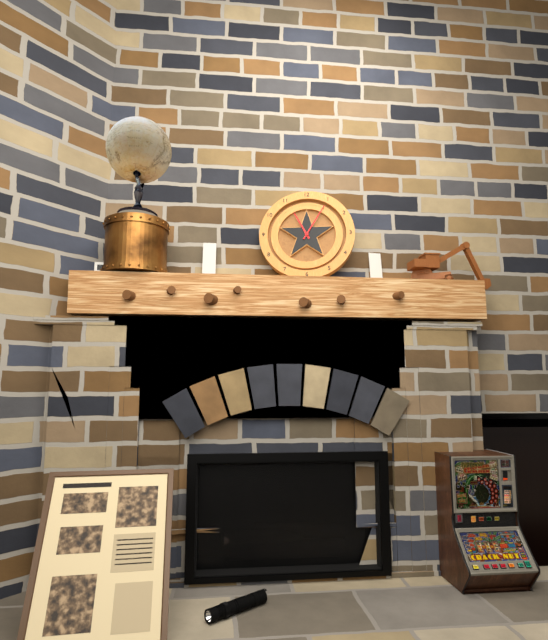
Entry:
11 h 05 min
